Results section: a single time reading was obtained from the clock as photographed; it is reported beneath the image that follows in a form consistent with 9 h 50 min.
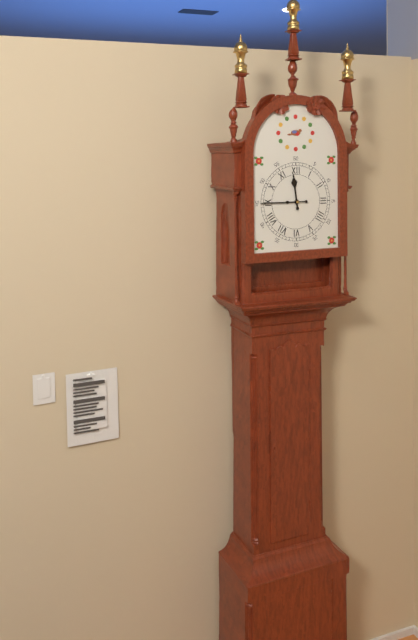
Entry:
11 h 45 min
